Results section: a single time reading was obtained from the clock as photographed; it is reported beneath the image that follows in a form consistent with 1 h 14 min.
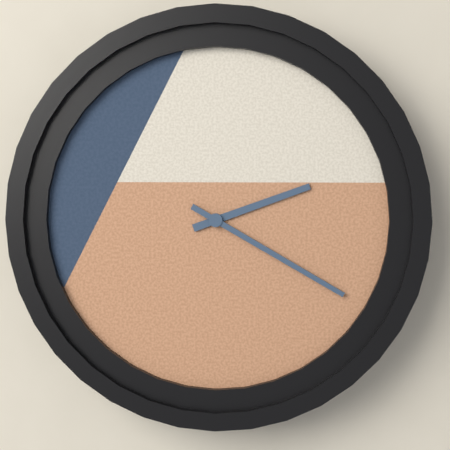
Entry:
2 h 20 min
